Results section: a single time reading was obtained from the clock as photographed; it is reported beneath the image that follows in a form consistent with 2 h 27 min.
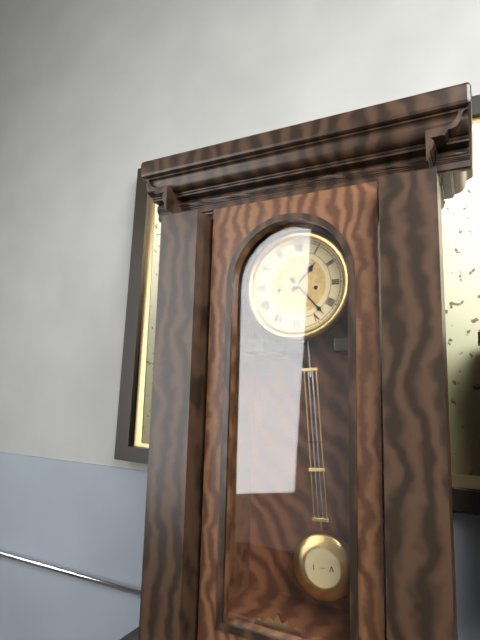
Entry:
1 h 23 min
